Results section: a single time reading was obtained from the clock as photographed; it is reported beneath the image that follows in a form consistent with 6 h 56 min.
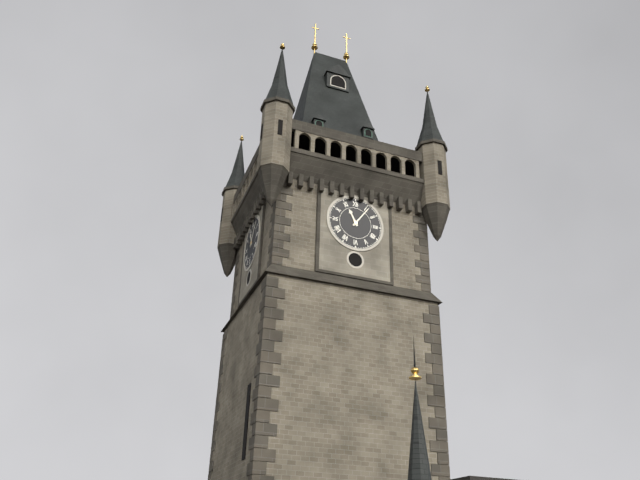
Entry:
11 h 06 min
